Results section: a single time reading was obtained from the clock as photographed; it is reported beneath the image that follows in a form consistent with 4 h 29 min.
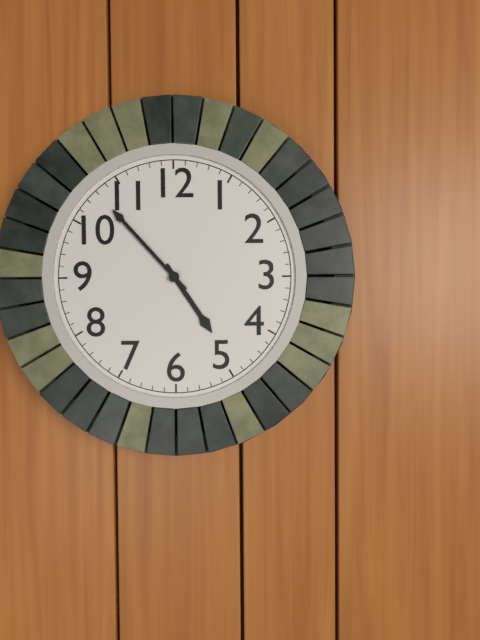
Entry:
4 h 53 min
